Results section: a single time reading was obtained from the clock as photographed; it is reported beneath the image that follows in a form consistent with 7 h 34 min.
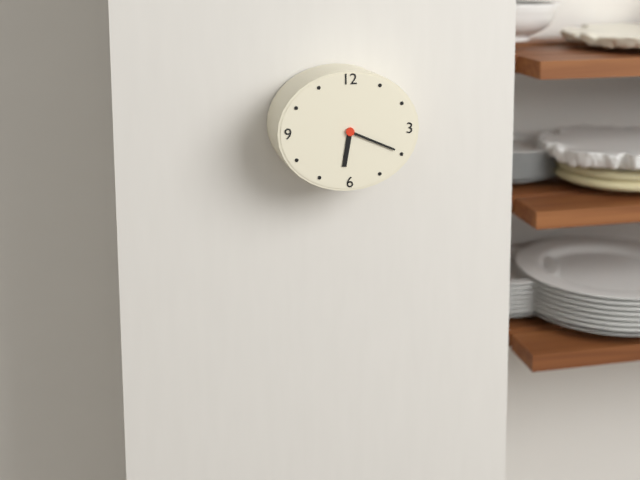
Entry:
6 h 19 min
